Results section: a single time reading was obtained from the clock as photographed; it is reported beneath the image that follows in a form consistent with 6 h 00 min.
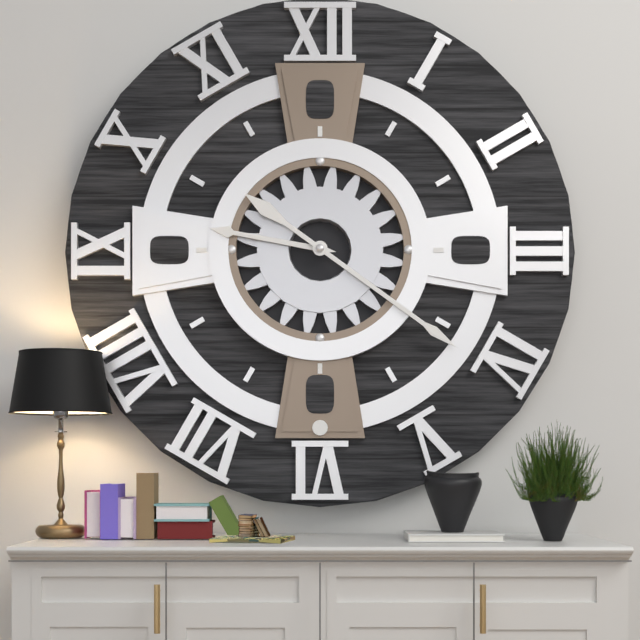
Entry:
9 h 21 min
